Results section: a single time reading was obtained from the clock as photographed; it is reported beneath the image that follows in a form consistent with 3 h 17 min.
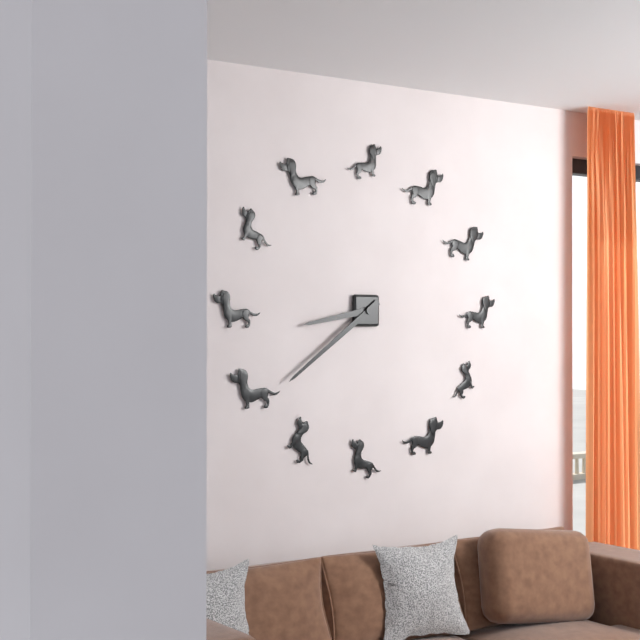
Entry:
8 h 39 min
